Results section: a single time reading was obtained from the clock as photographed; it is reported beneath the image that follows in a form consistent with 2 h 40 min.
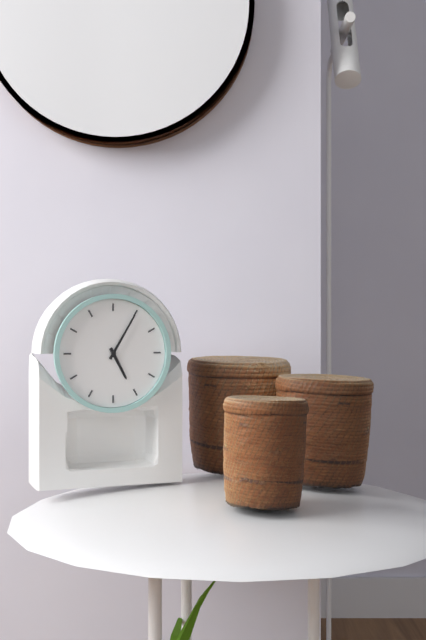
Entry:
5 h 05 min
